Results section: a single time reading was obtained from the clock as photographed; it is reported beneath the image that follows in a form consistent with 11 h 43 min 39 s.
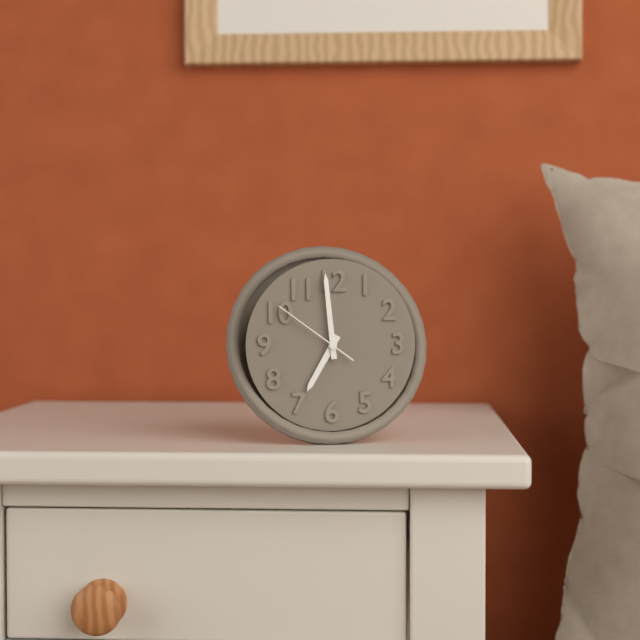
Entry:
6 h 59 min 51 s
